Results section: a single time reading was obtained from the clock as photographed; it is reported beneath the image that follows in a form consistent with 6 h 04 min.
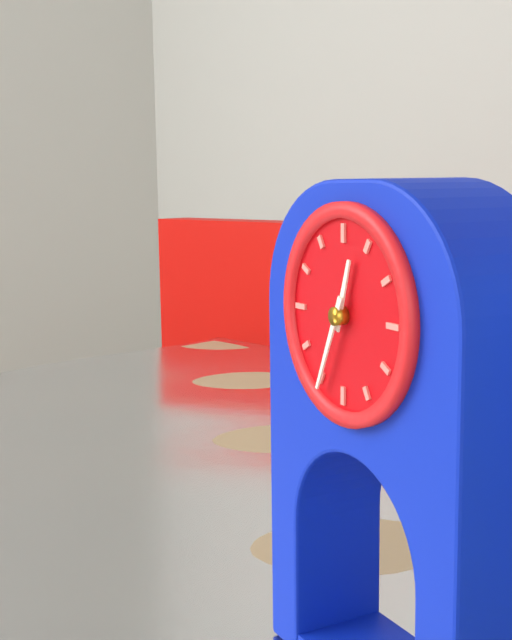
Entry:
12 h 34 min
